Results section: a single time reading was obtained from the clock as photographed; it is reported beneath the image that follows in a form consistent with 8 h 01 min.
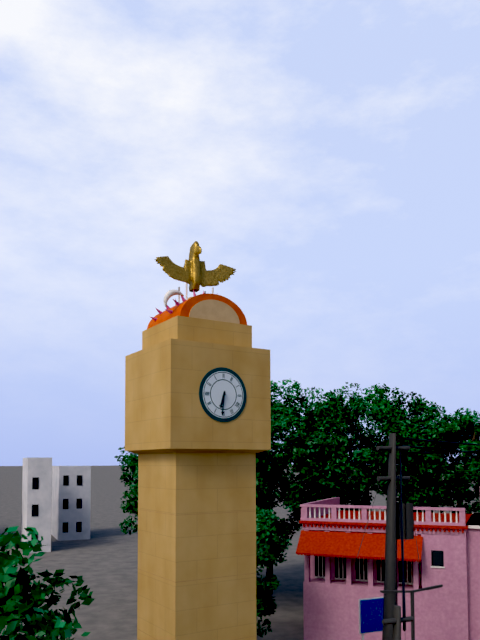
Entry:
6 h 31 min
